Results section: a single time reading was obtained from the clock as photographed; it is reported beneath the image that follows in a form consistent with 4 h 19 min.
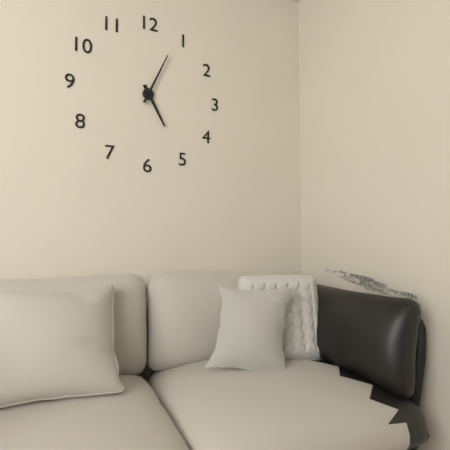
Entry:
5 h 04 min
